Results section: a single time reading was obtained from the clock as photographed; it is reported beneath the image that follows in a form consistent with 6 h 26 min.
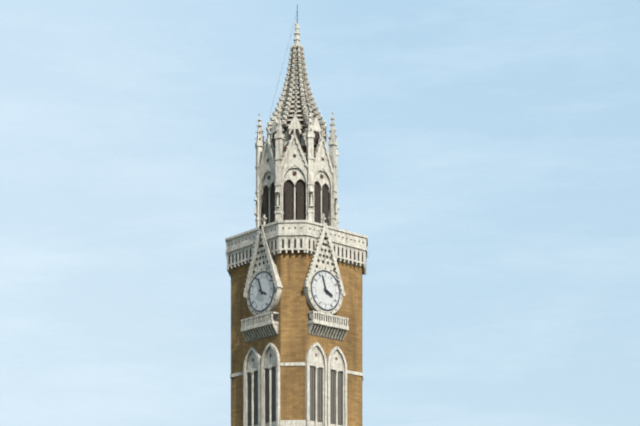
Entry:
3 h 57 min
